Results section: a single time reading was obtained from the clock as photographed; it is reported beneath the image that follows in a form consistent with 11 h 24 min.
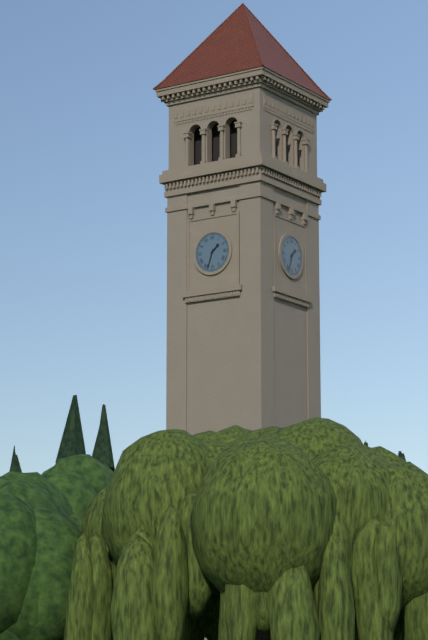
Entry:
1 h 33 min
